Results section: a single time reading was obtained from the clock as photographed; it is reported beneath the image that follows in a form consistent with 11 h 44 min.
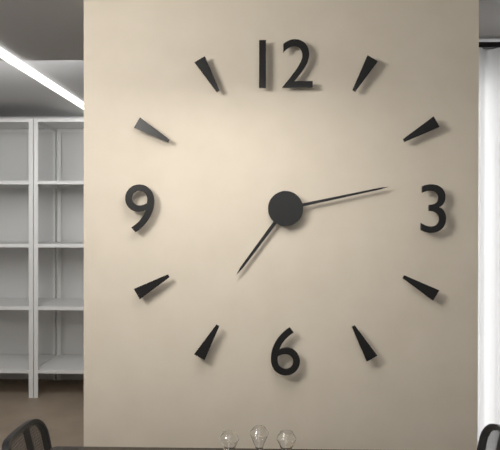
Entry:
7 h 13 min
